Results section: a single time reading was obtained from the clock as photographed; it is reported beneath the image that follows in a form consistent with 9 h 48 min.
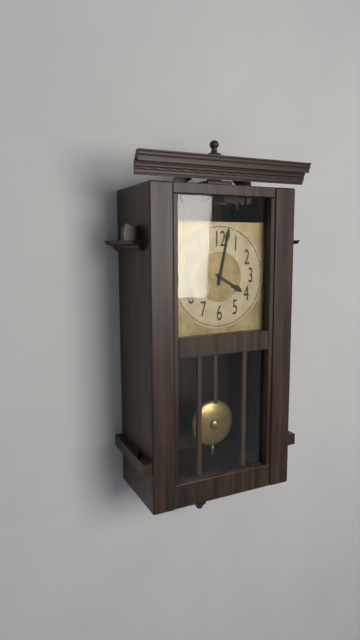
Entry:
4 h 02 min
